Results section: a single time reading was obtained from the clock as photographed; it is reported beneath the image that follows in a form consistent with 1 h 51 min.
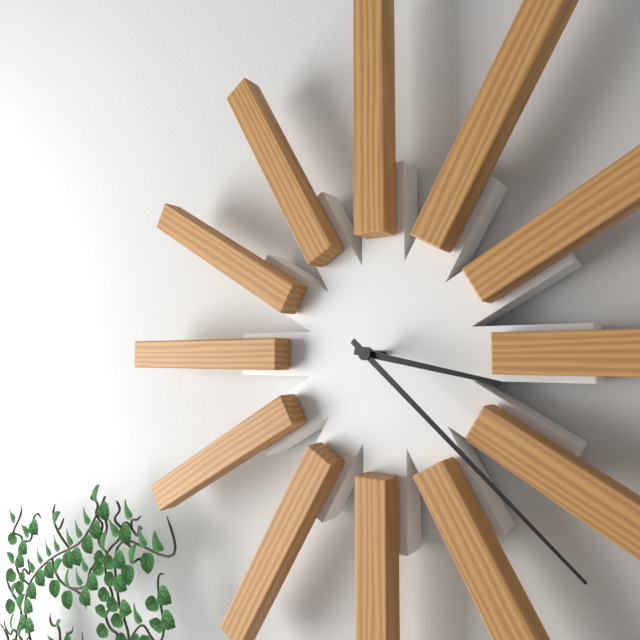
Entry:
3 h 22 min
